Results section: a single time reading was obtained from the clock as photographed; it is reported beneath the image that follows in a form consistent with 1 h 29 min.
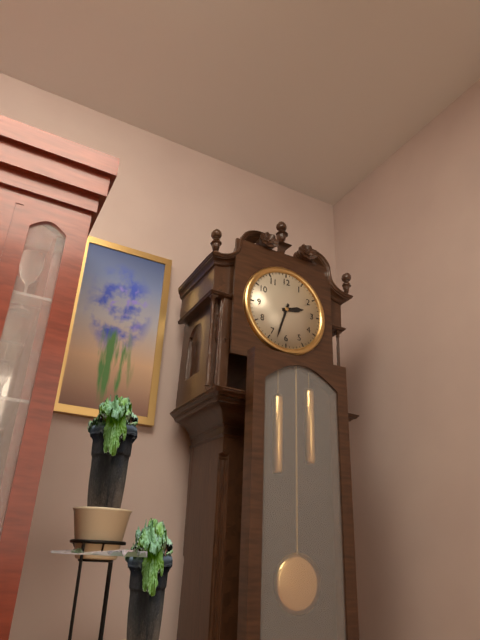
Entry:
2 h 33 min
